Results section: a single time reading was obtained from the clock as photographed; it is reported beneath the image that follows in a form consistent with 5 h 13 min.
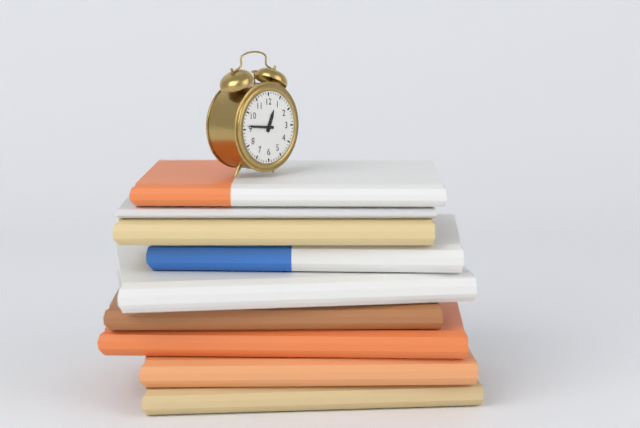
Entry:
12 h 46 min
